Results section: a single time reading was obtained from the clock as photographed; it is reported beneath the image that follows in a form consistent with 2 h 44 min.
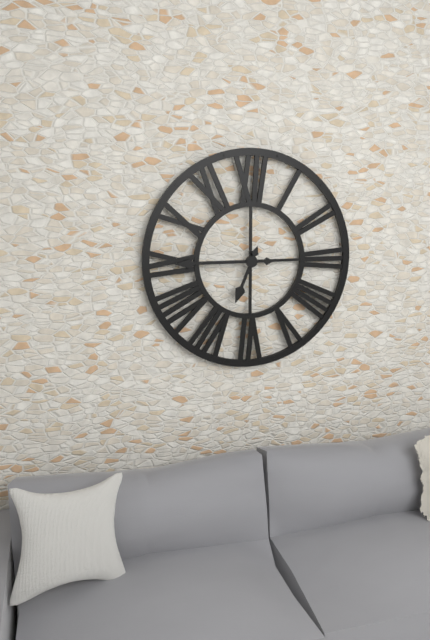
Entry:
6 h 45 min
